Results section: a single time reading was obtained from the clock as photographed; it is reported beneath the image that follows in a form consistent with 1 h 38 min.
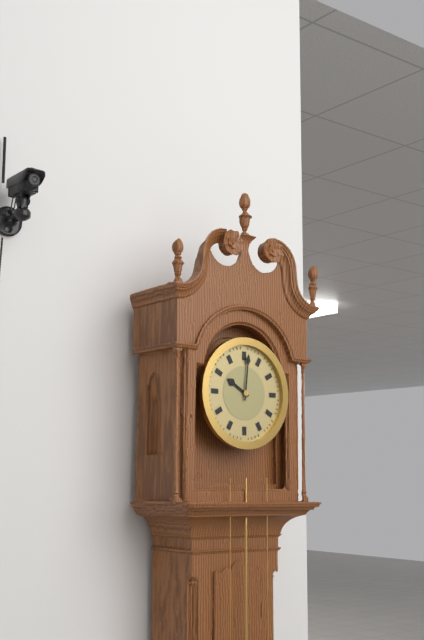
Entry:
10 h 01 min
